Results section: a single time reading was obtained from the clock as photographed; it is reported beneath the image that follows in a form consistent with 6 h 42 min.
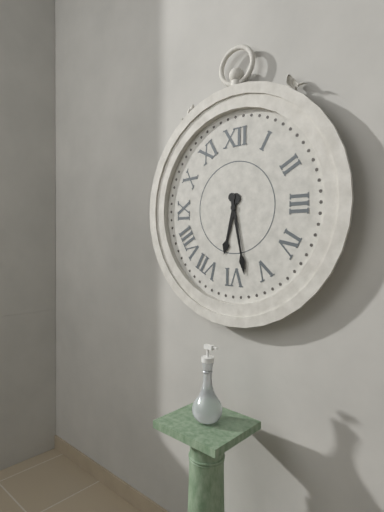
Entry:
6 h 28 min
